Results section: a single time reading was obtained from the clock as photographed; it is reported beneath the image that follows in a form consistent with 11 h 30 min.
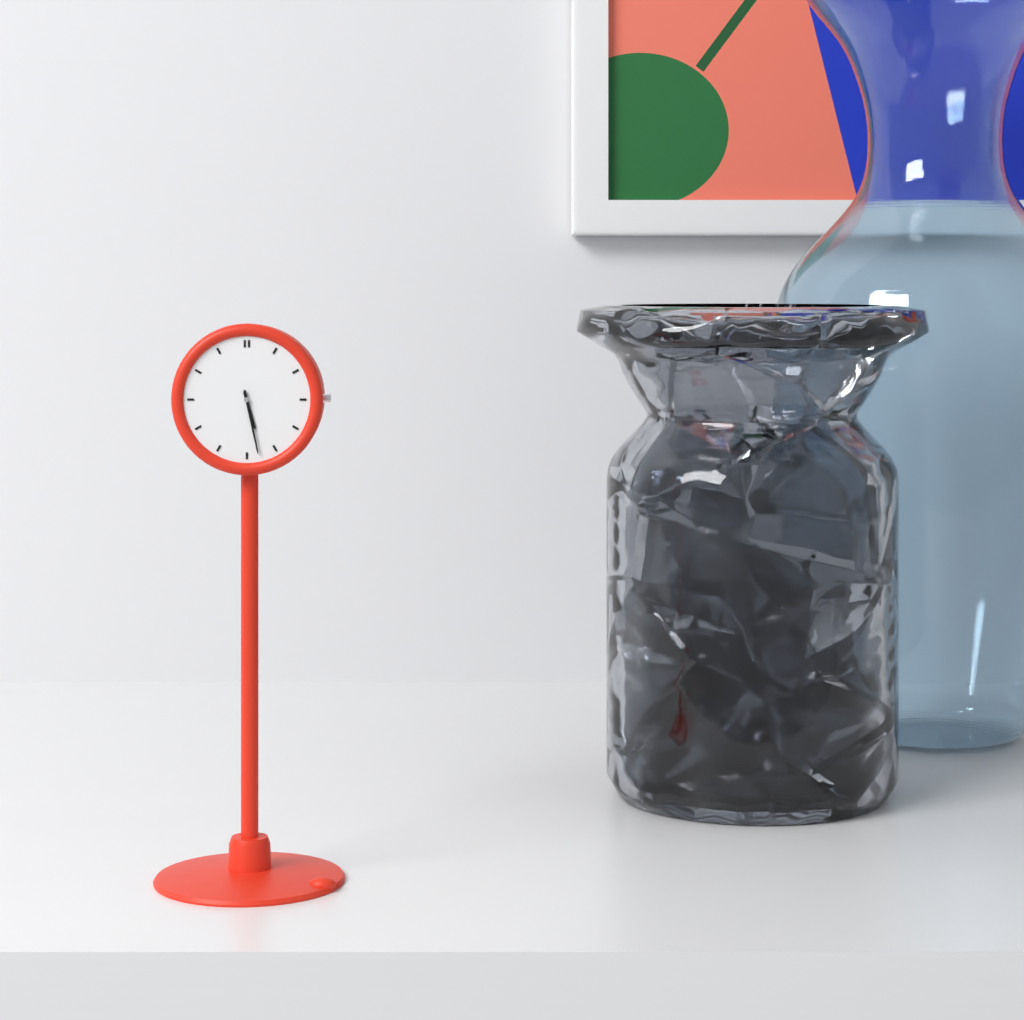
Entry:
5 h 28 min
